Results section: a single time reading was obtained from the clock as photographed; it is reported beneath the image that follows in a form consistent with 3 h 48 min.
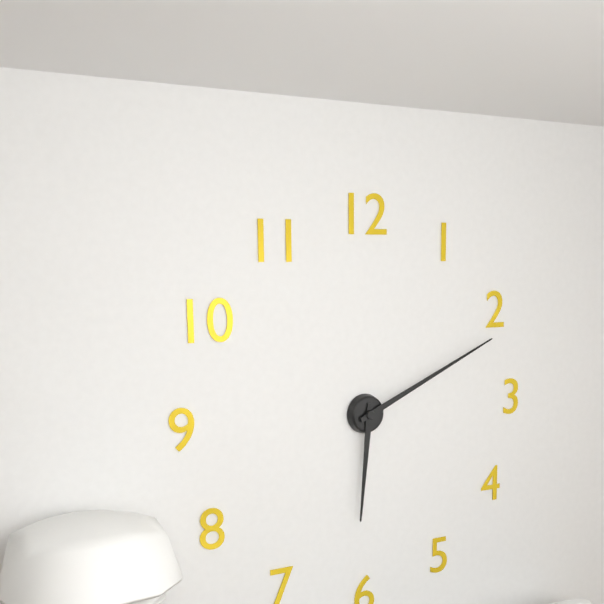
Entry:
6 h 11 min
